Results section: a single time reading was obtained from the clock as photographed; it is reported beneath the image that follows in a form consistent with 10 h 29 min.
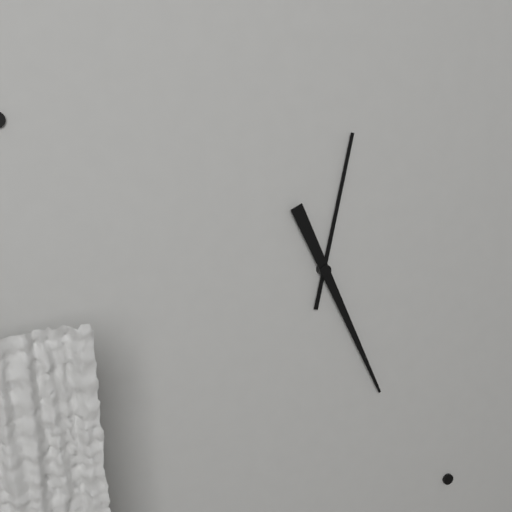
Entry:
12 h 26 min
